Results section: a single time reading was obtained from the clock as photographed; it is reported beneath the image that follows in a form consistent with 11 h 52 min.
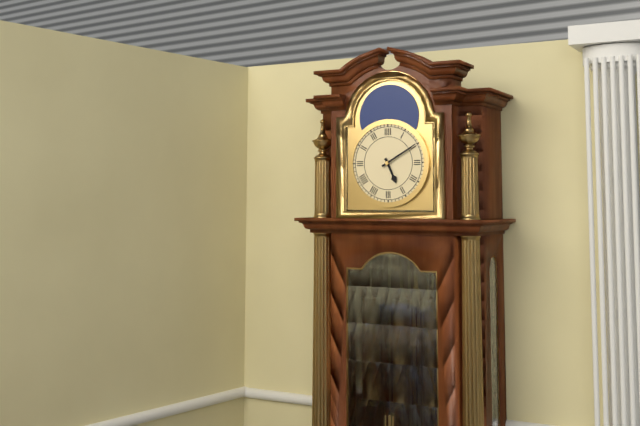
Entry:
5 h 10 min
